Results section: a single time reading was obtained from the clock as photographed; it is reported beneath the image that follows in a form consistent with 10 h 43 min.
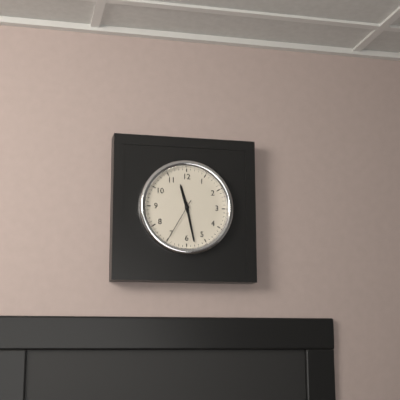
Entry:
11 h 28 min
